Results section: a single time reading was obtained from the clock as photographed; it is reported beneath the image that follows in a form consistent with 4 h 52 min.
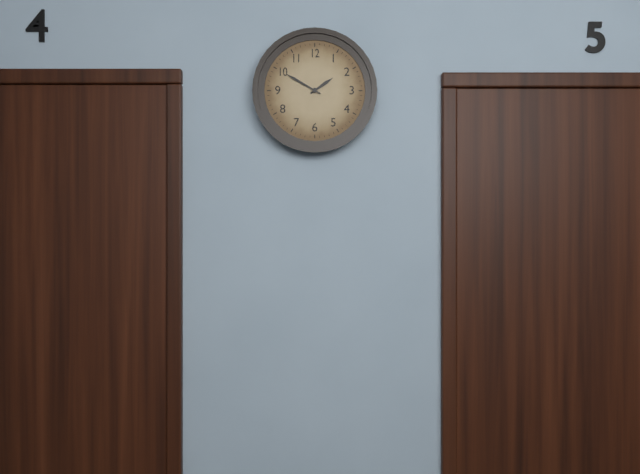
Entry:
1 h 50 min
